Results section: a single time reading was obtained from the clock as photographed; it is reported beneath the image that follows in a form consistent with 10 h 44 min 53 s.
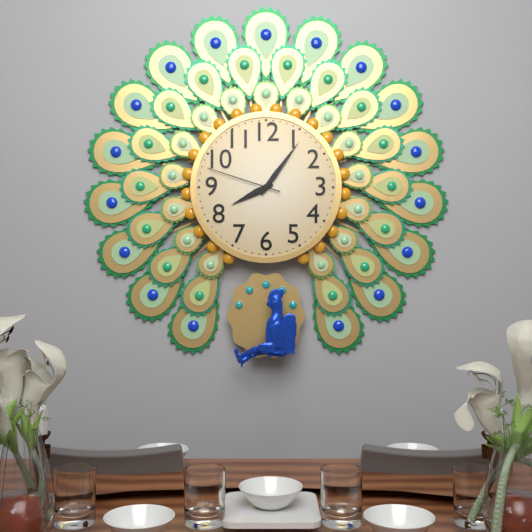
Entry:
8 h 06 min 48 s
